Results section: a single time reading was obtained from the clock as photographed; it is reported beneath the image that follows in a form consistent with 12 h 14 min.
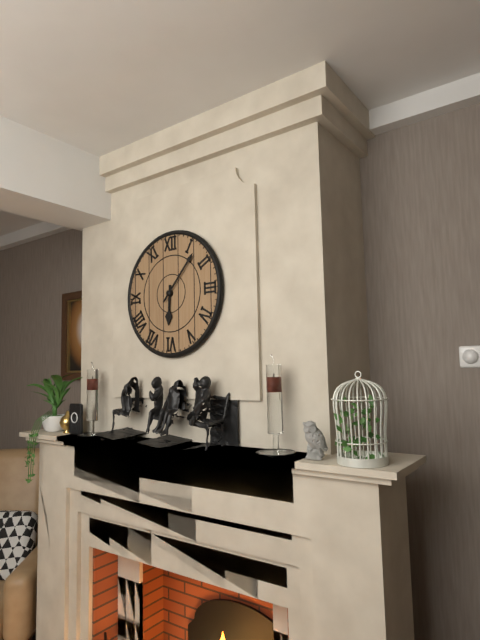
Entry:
6 h 07 min
